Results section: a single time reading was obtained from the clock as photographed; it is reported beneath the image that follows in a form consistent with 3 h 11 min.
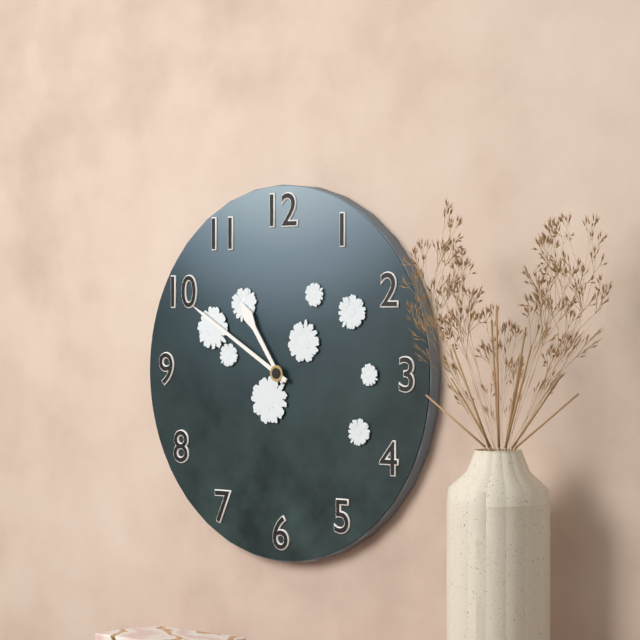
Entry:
10 h 50 min
